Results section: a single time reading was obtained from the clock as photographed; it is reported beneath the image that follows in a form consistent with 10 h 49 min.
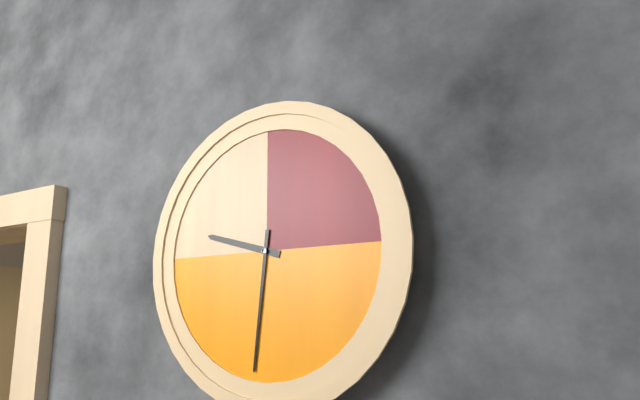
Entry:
9 h 31 min
